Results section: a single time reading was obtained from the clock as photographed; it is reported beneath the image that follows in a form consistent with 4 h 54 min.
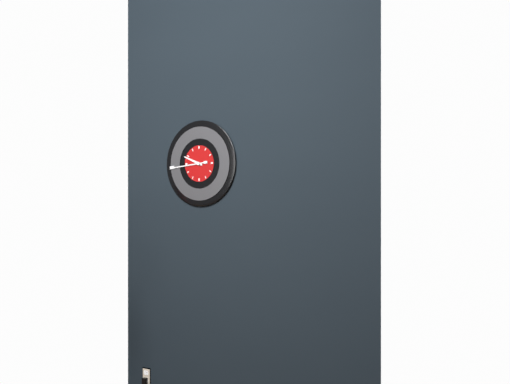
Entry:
9 h 44 min
